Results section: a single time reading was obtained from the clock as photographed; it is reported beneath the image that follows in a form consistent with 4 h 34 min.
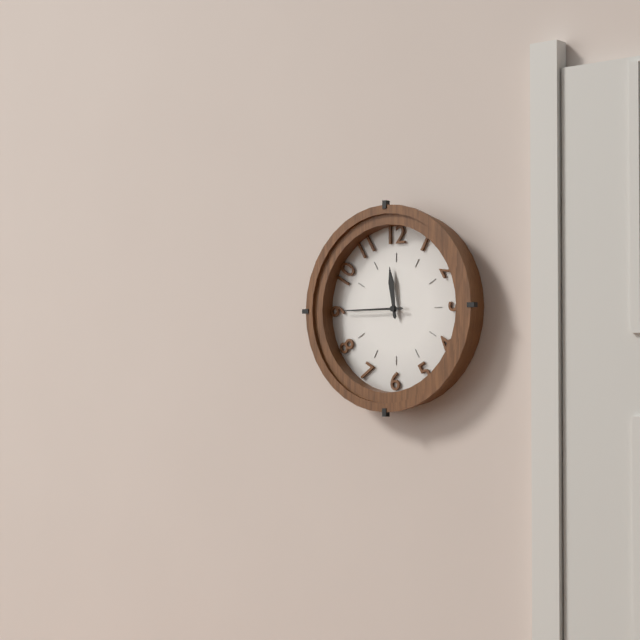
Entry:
11 h 45 min
